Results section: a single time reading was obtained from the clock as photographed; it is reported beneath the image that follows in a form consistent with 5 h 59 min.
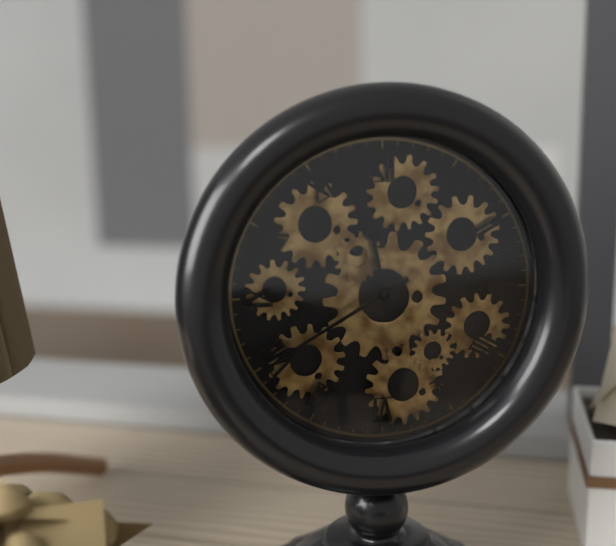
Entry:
11 h 40 min
